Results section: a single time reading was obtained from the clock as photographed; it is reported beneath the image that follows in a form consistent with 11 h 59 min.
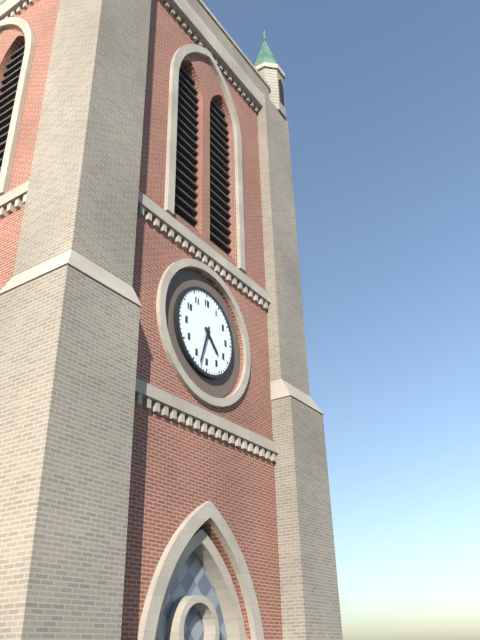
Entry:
4 h 33 min
